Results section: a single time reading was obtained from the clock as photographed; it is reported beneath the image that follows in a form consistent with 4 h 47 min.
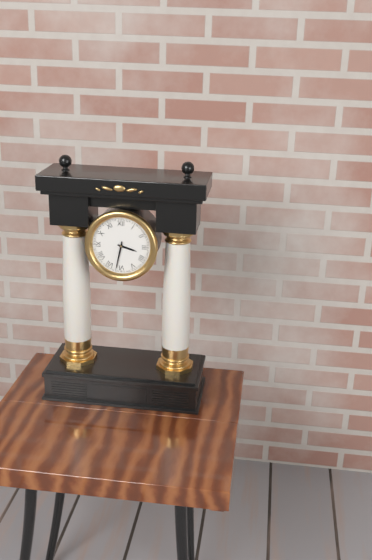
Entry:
3 h 32 min
